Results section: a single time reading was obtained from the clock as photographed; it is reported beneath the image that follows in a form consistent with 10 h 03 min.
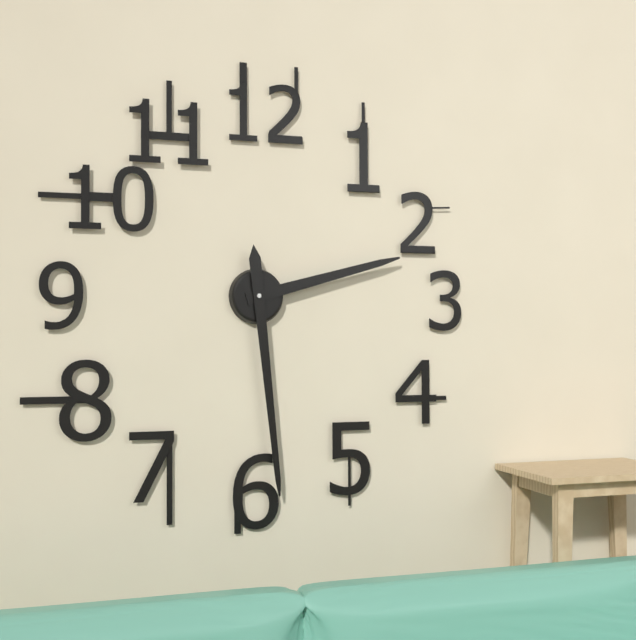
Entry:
2 h 29 min
